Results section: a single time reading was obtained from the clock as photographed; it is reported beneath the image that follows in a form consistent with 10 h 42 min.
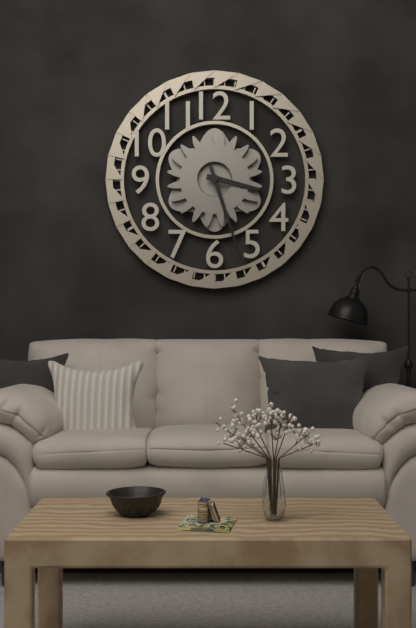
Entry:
3 h 27 min
